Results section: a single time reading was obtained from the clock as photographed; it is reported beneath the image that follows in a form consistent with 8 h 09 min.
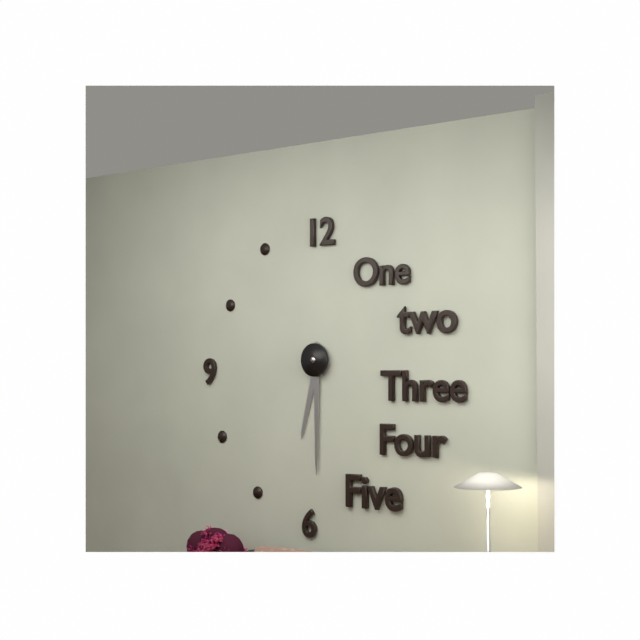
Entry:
6 h 30 min
